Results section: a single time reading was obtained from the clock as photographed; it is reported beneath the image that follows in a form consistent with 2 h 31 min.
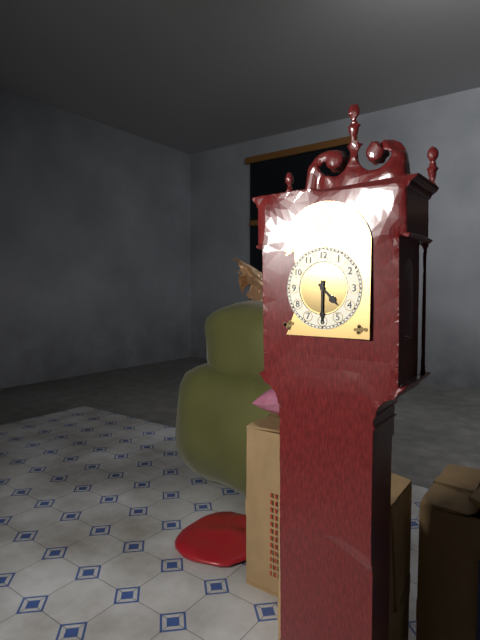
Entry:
4 h 30 min
